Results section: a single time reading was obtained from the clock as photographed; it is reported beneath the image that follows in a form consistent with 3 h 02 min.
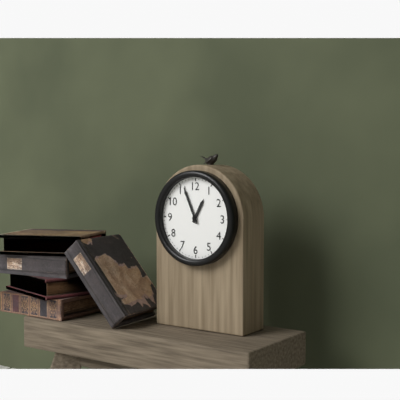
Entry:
12 h 56 min
